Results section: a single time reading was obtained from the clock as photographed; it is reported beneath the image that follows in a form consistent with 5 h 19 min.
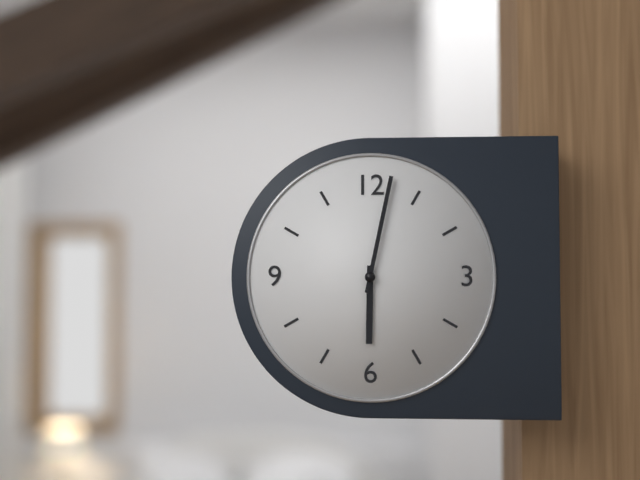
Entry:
6 h 02 min
